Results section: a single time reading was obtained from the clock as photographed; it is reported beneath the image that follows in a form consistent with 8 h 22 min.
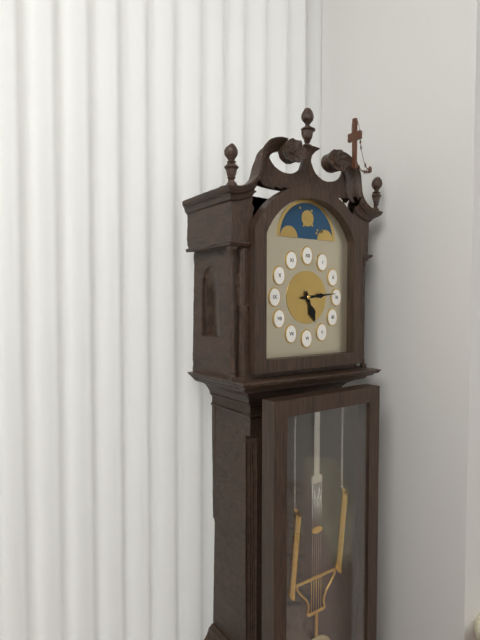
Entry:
5 h 14 min
